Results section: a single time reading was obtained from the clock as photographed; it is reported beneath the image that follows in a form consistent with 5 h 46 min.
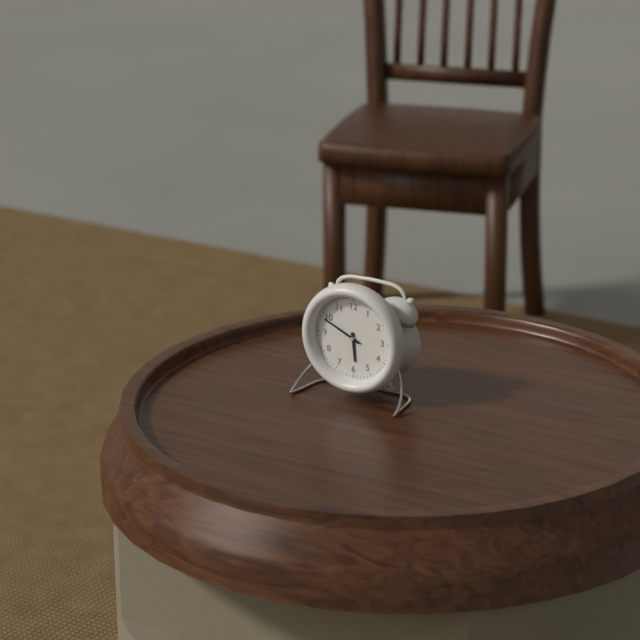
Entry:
5 h 49 min
